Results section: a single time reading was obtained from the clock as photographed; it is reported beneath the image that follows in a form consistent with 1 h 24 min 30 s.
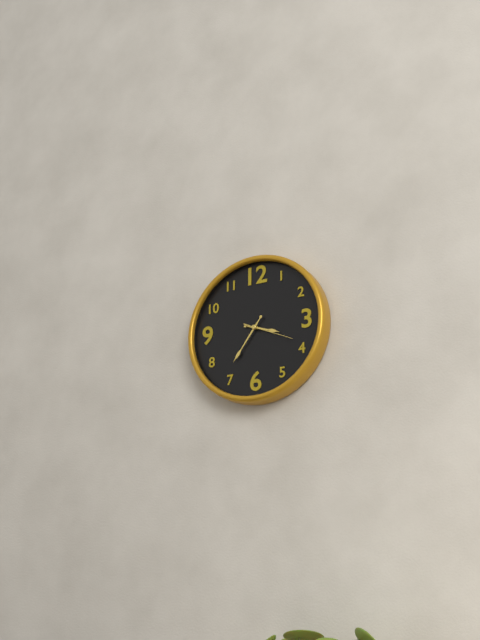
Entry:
3 h 36 min 19 s
